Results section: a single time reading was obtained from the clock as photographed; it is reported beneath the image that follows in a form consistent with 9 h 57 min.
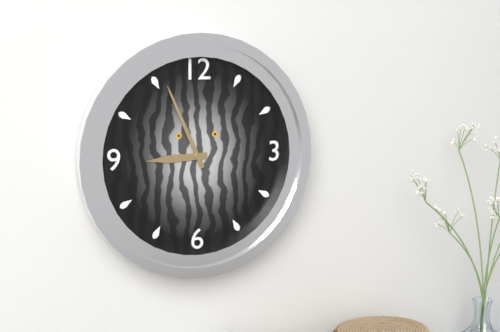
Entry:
8 h 56 min
